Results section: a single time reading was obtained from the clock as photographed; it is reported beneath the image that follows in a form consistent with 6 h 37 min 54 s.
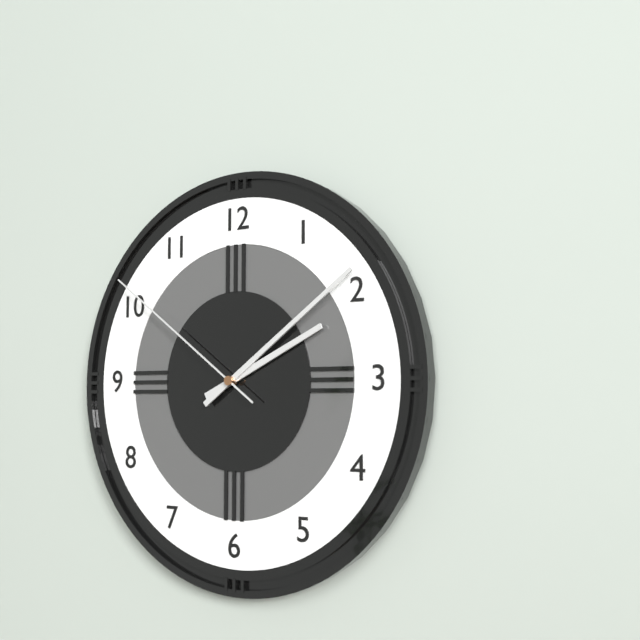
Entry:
2 h 09 min 51 s
